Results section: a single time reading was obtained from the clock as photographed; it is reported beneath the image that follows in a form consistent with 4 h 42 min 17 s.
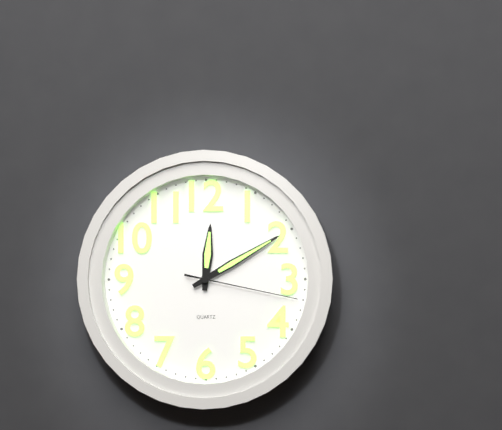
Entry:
12 h 10 min 17 s
